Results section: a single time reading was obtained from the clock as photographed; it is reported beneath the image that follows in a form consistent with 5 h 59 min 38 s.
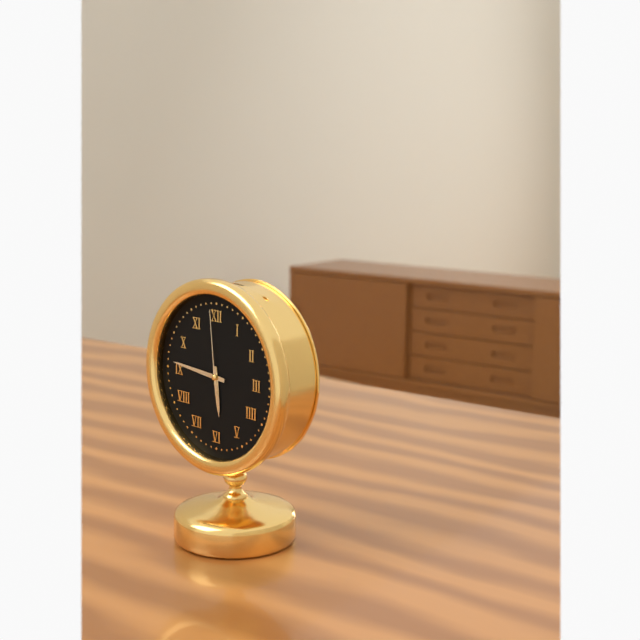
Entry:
5 h 46 min 59 s
